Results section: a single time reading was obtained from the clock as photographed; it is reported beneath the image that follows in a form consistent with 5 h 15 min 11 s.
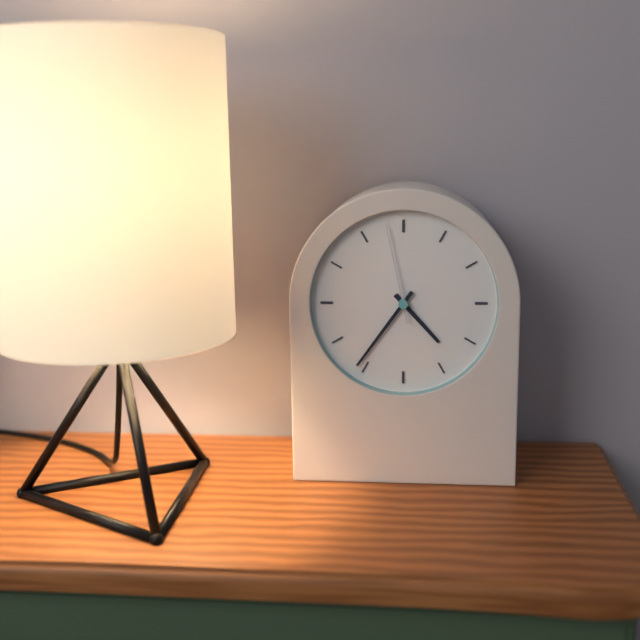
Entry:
4 h 36 min 58 s
